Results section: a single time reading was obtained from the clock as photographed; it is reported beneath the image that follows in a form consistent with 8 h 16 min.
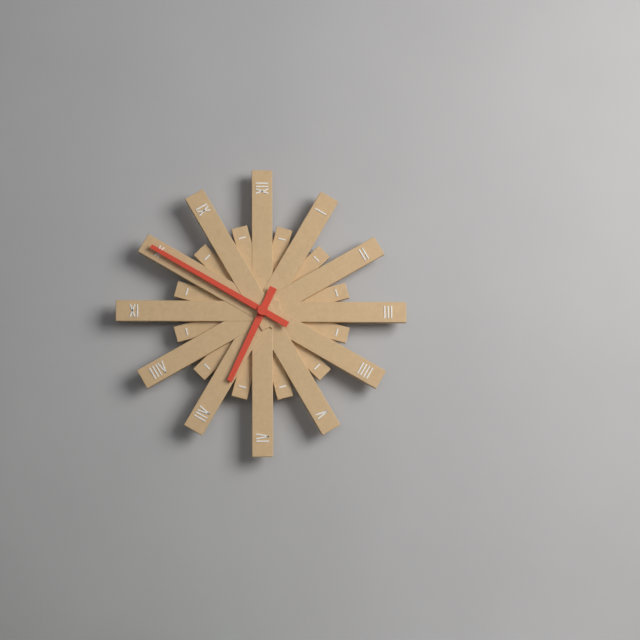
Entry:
6 h 50 min
